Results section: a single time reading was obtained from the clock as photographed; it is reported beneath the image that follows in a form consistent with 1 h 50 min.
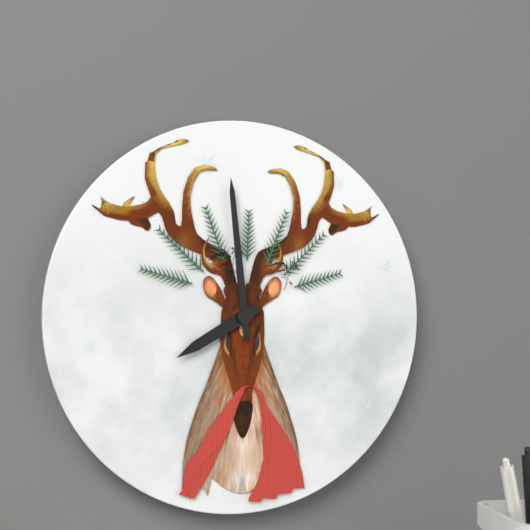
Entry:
7 h 59 min
